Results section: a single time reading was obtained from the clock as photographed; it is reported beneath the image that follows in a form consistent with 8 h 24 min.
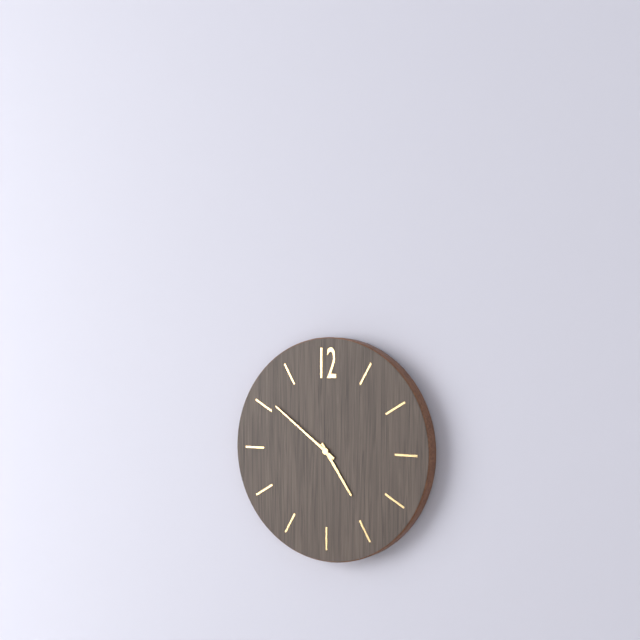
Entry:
4 h 51 min
